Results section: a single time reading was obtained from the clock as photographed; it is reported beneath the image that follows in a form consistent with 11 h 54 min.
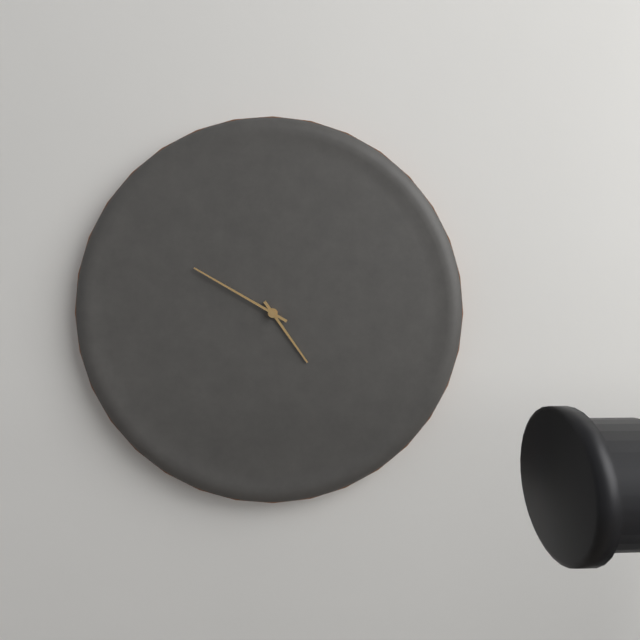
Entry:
4 h 50 min
